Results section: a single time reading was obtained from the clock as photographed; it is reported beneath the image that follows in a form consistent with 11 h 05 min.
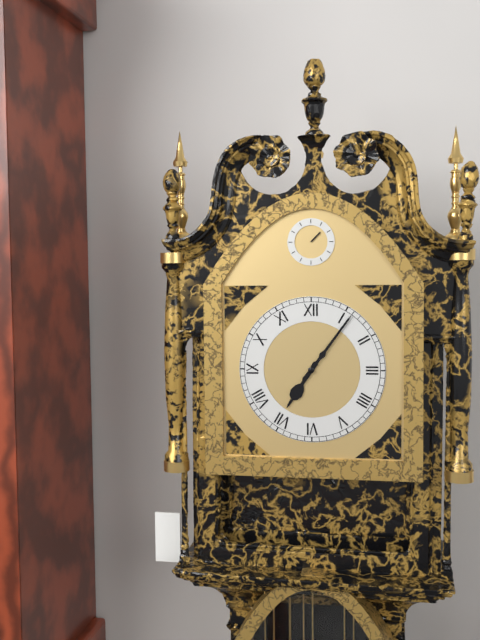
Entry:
7 h 06 min
